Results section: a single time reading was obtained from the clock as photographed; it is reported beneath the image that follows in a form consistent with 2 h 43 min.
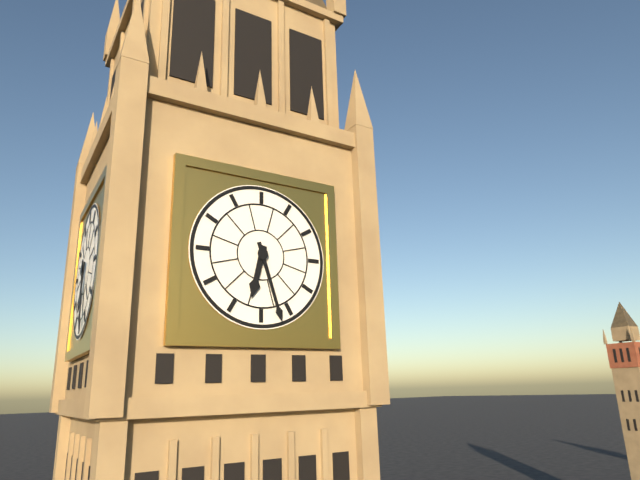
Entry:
6 h 27 min
